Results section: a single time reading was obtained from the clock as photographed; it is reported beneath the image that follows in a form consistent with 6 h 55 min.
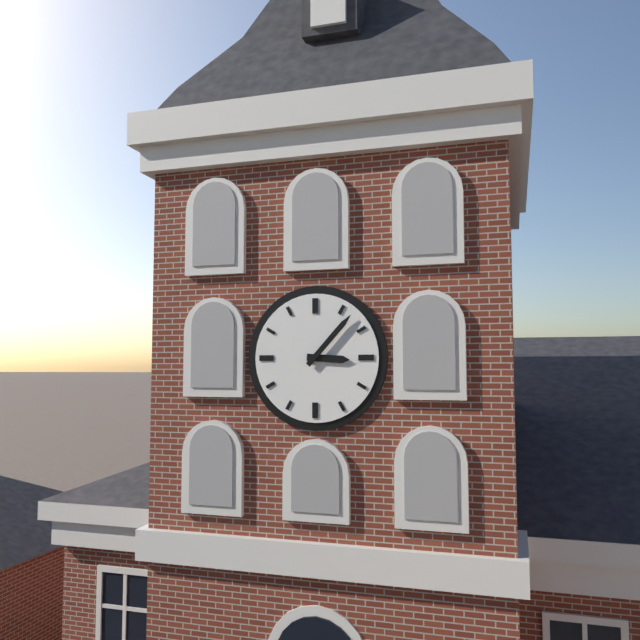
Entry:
3 h 07 min
